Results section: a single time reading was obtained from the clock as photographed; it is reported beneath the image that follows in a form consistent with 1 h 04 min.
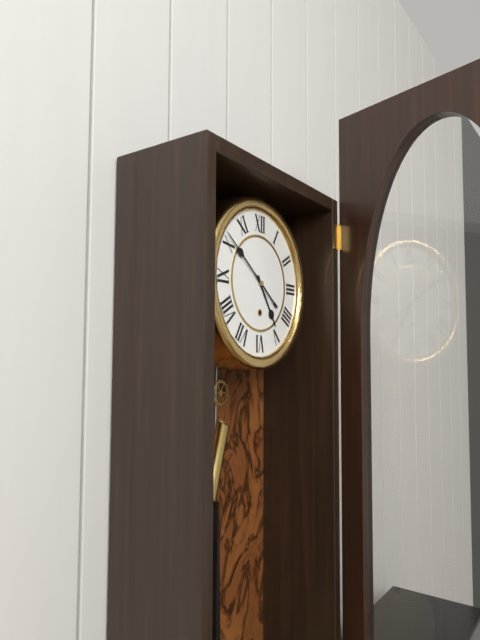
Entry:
4 h 51 min
